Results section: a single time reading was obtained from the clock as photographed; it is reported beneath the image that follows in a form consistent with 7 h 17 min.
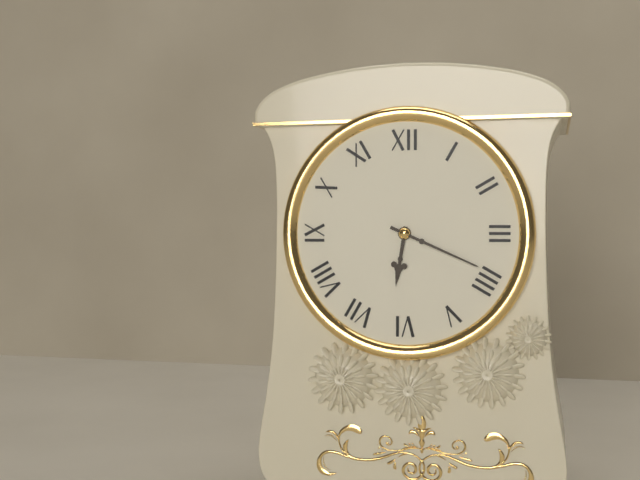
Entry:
6 h 19 min
